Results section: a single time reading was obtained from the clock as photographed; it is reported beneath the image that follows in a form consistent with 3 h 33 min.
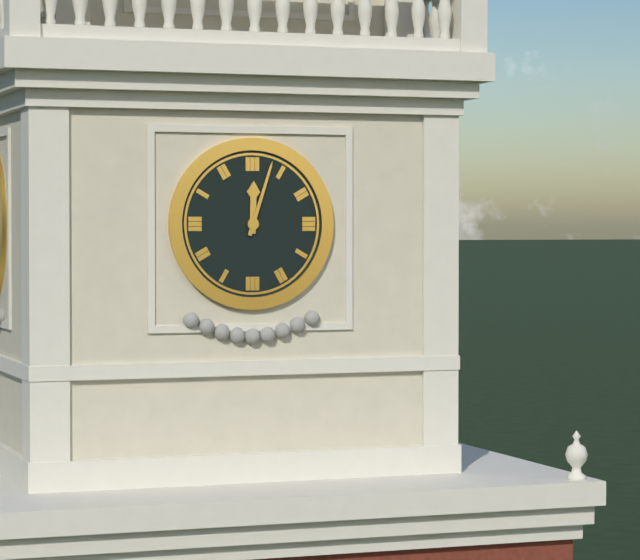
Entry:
12 h 03 min
